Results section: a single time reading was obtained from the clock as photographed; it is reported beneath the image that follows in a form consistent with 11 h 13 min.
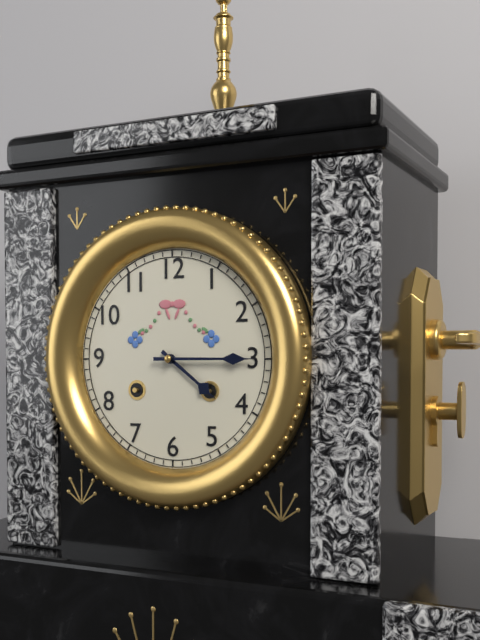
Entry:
4 h 15 min
